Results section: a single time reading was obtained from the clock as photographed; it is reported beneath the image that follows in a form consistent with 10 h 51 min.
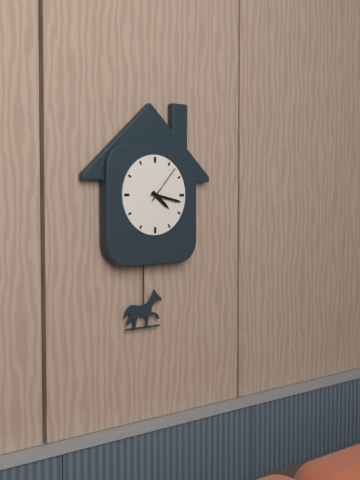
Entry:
4 h 17 min
